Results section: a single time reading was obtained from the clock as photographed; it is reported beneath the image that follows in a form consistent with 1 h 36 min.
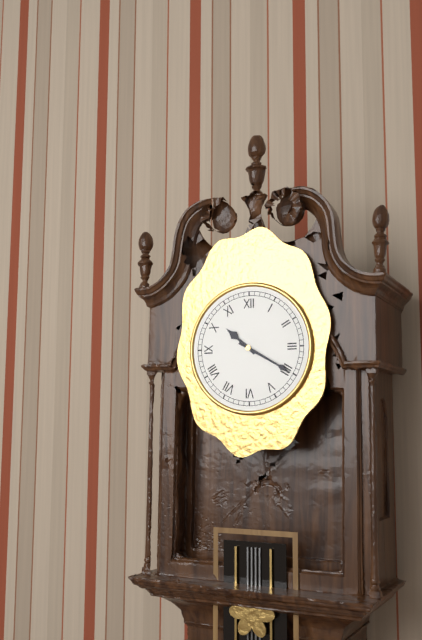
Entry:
10 h 20 min
